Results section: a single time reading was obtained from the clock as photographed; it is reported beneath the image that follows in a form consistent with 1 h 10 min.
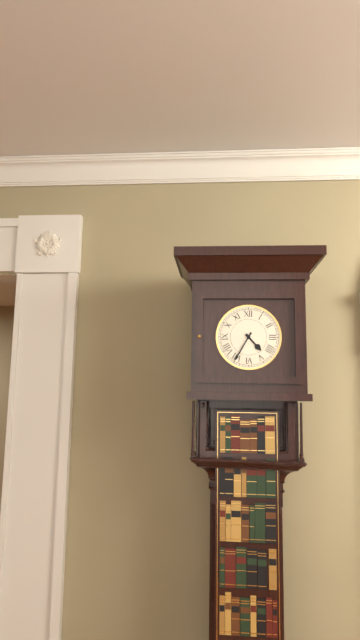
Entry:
4 h 35 min
